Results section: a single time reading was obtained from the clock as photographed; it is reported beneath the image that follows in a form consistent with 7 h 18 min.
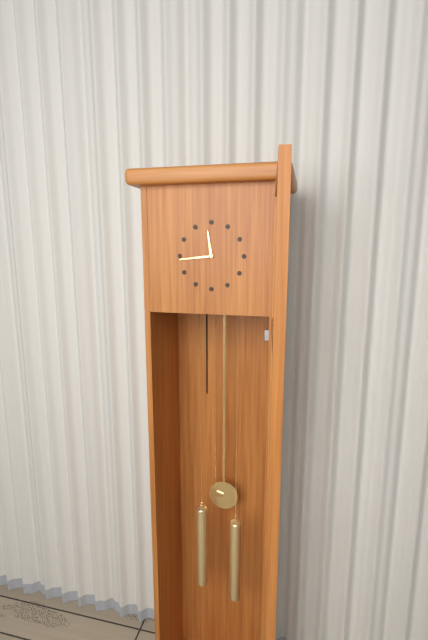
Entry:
11 h 44 min
